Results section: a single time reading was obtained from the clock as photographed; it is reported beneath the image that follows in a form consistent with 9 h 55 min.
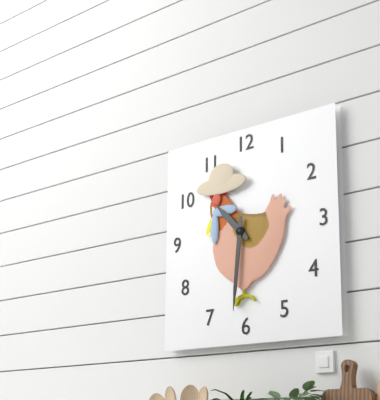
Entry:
10 h 31 min
